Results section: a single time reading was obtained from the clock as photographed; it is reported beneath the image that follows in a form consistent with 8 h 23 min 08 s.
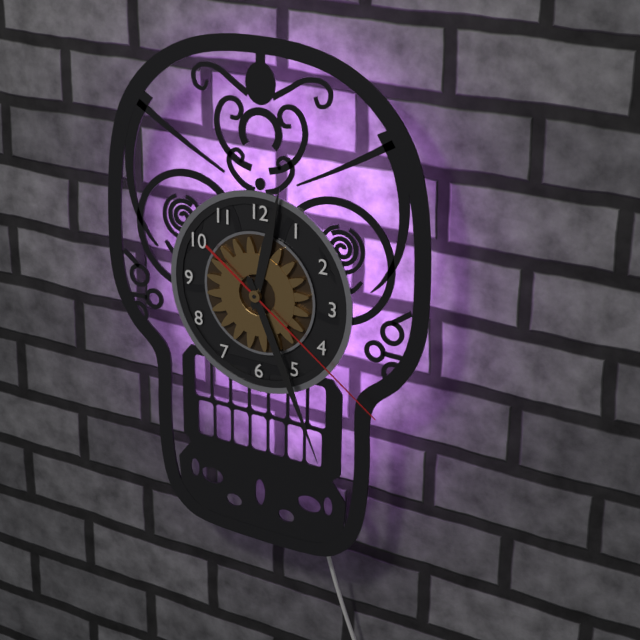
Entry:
12 h 26 min 21 s
